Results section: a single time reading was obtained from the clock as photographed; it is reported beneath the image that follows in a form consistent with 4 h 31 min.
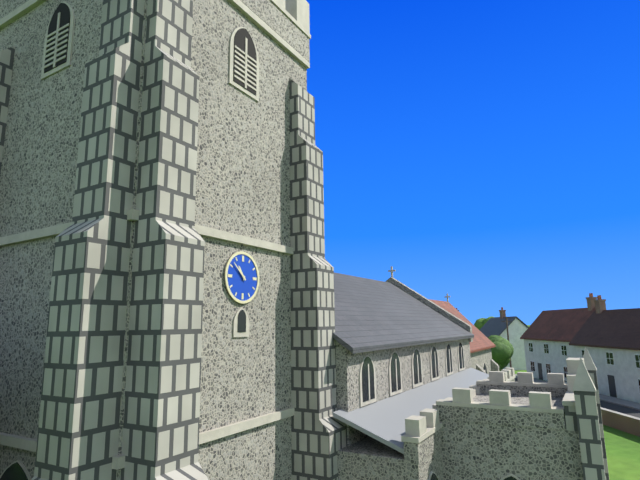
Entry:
10 h 52 min
